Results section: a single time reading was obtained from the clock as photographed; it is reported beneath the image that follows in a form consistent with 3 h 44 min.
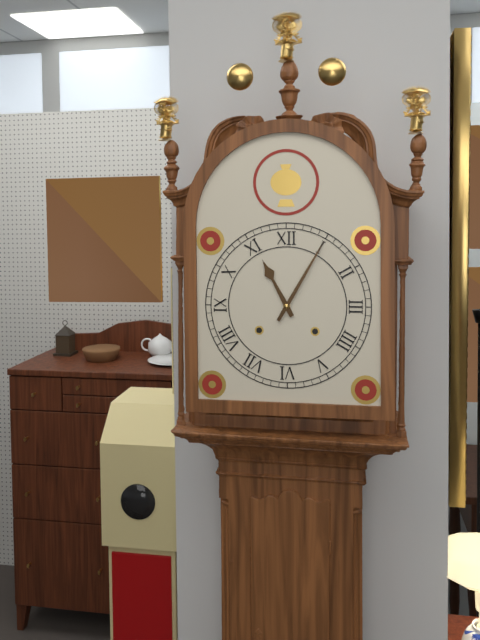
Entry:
11 h 05 min
